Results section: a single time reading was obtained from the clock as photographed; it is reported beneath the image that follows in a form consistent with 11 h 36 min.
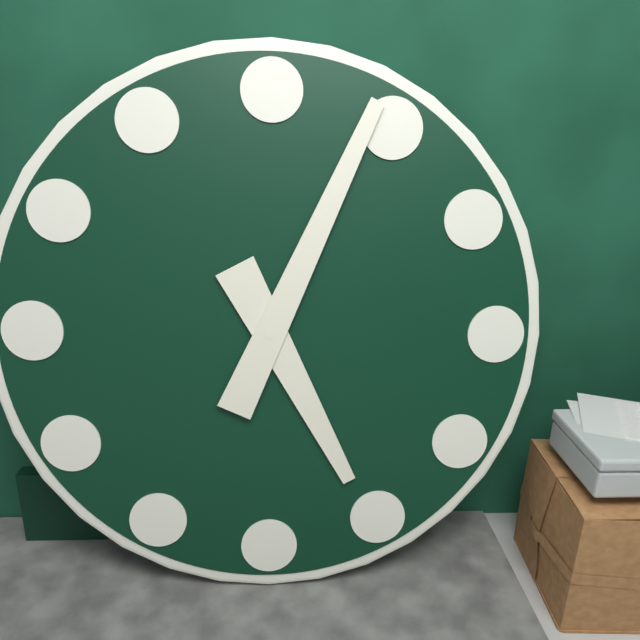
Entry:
5 h 04 min
